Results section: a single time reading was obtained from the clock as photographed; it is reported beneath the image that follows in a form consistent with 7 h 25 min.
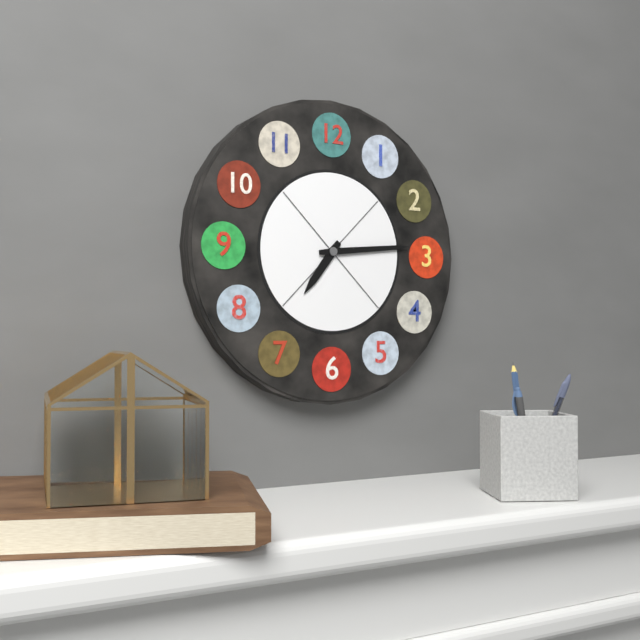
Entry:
7 h 14 min
